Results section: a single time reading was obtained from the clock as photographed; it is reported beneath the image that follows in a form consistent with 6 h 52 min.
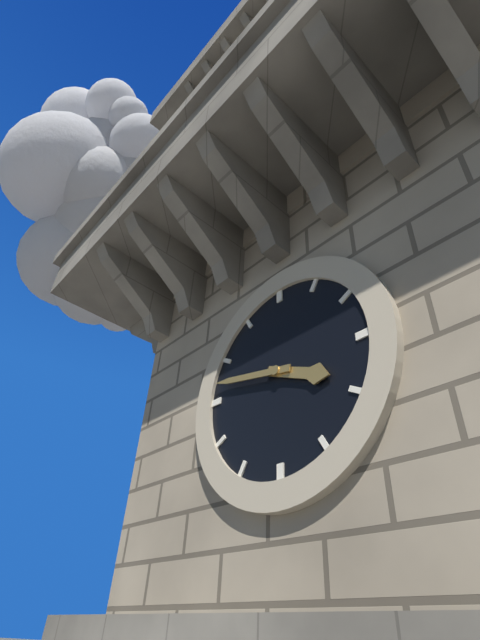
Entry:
3 h 47 min
